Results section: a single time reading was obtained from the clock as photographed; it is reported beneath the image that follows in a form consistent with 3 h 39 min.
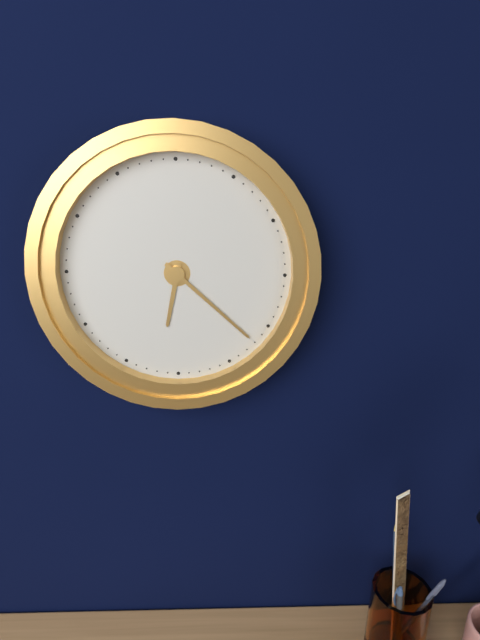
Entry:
6 h 22 min
